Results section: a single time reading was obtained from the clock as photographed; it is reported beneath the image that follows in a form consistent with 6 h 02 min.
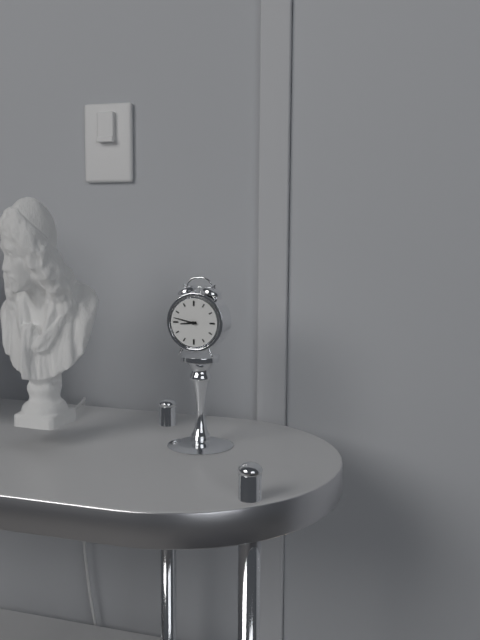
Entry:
8 h 47 min
